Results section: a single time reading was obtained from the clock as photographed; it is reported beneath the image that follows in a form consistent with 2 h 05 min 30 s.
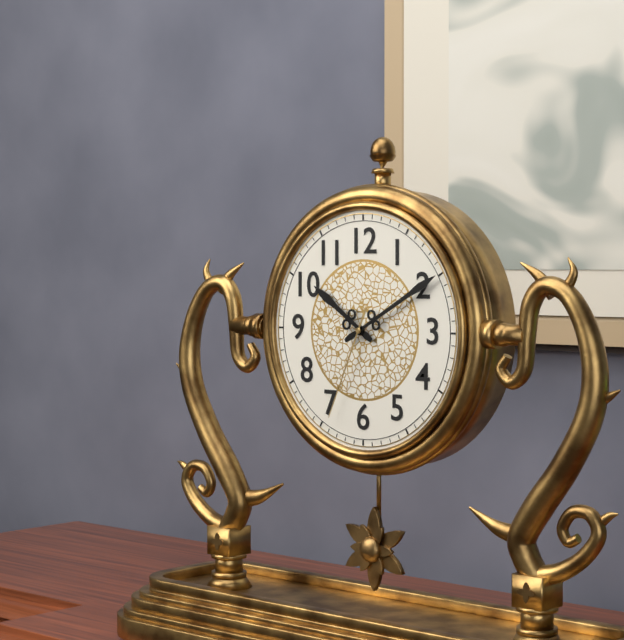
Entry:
10 h 10 min 34 s
